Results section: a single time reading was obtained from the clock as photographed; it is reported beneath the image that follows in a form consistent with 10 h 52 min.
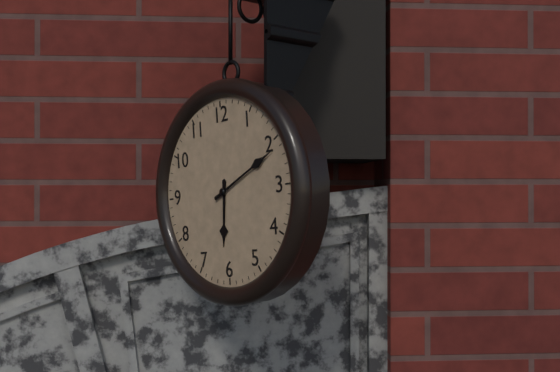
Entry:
6 h 11 min
